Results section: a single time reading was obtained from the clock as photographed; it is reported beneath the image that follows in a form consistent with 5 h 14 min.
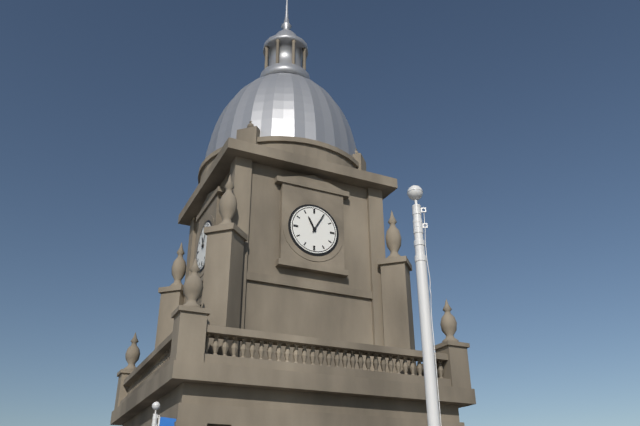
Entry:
11 h 05 min
